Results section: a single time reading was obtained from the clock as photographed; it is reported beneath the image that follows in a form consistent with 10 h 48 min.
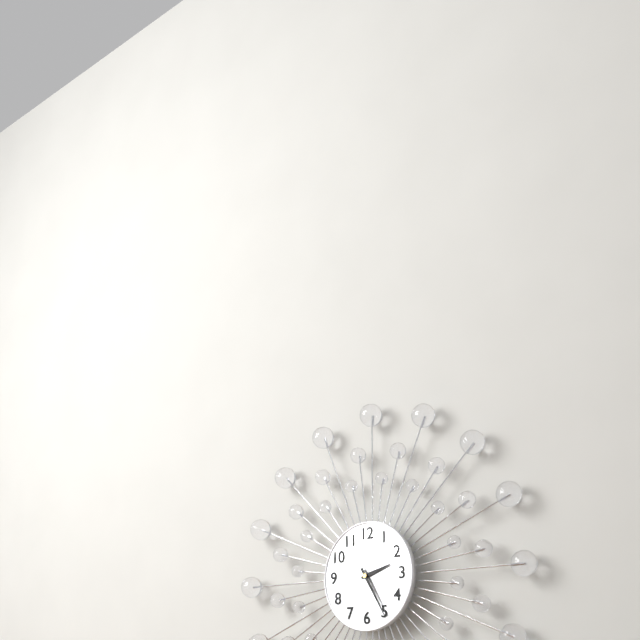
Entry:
2 h 25 min
